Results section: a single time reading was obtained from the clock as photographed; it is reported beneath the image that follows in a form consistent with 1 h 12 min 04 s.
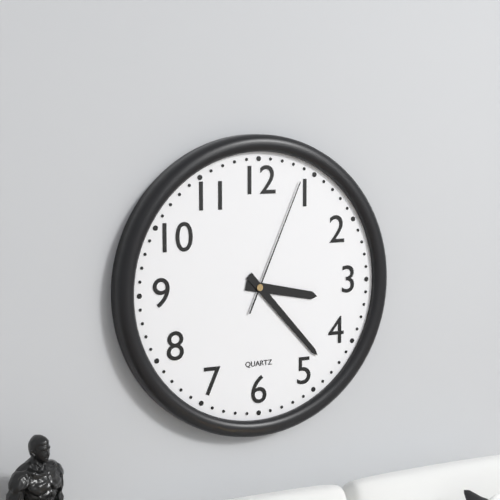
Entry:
3 h 23 min 04 s
